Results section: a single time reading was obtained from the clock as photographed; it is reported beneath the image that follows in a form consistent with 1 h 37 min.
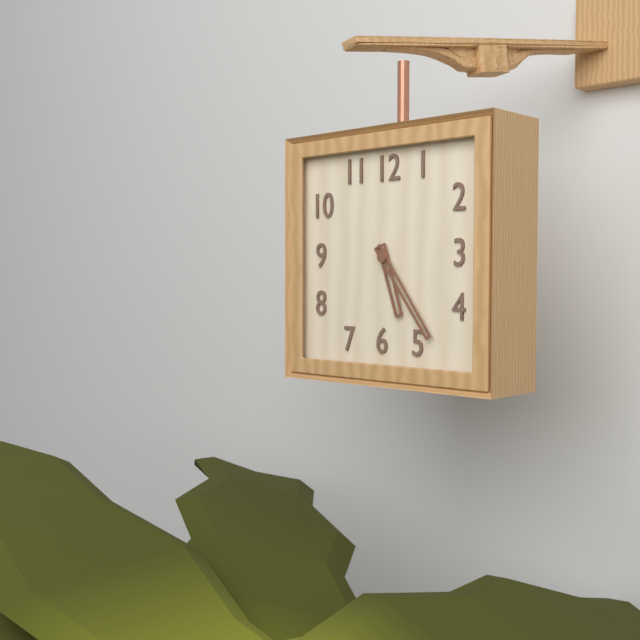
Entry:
5 h 24 min
